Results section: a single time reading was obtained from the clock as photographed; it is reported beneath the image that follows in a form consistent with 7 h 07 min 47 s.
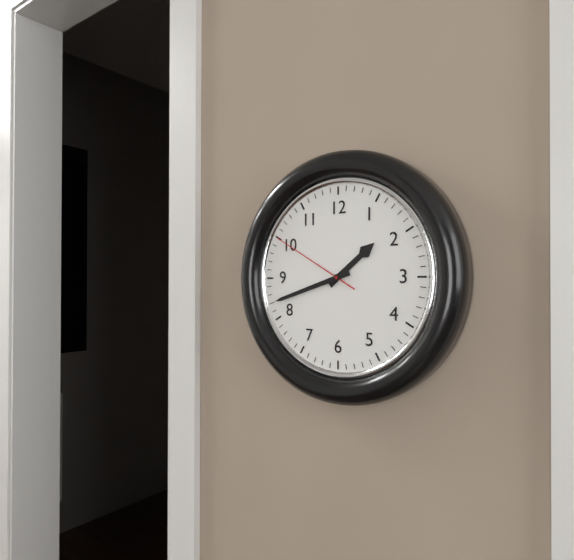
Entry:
1 h 42 min 50 s
